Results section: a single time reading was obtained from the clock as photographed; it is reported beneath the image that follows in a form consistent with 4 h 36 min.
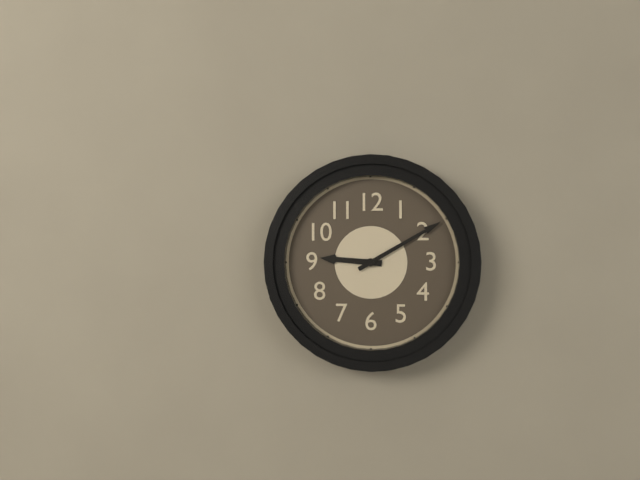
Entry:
9 h 10 min
